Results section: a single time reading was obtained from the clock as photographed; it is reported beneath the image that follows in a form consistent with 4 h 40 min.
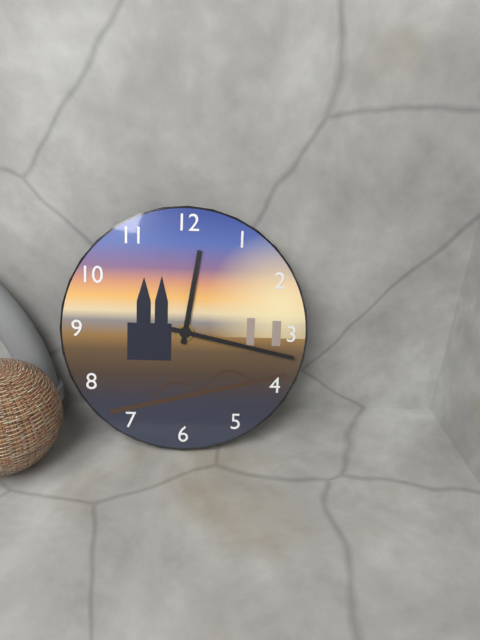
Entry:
12 h 17 min
